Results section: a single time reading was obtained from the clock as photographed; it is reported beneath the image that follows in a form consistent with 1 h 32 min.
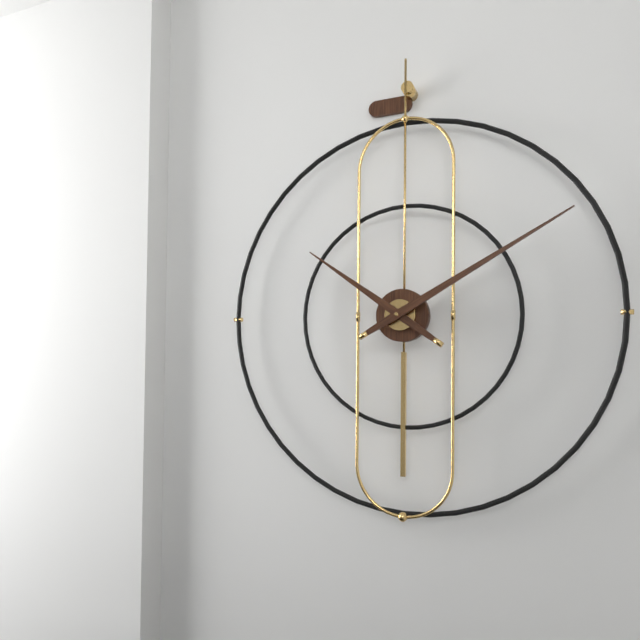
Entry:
10 h 10 min
